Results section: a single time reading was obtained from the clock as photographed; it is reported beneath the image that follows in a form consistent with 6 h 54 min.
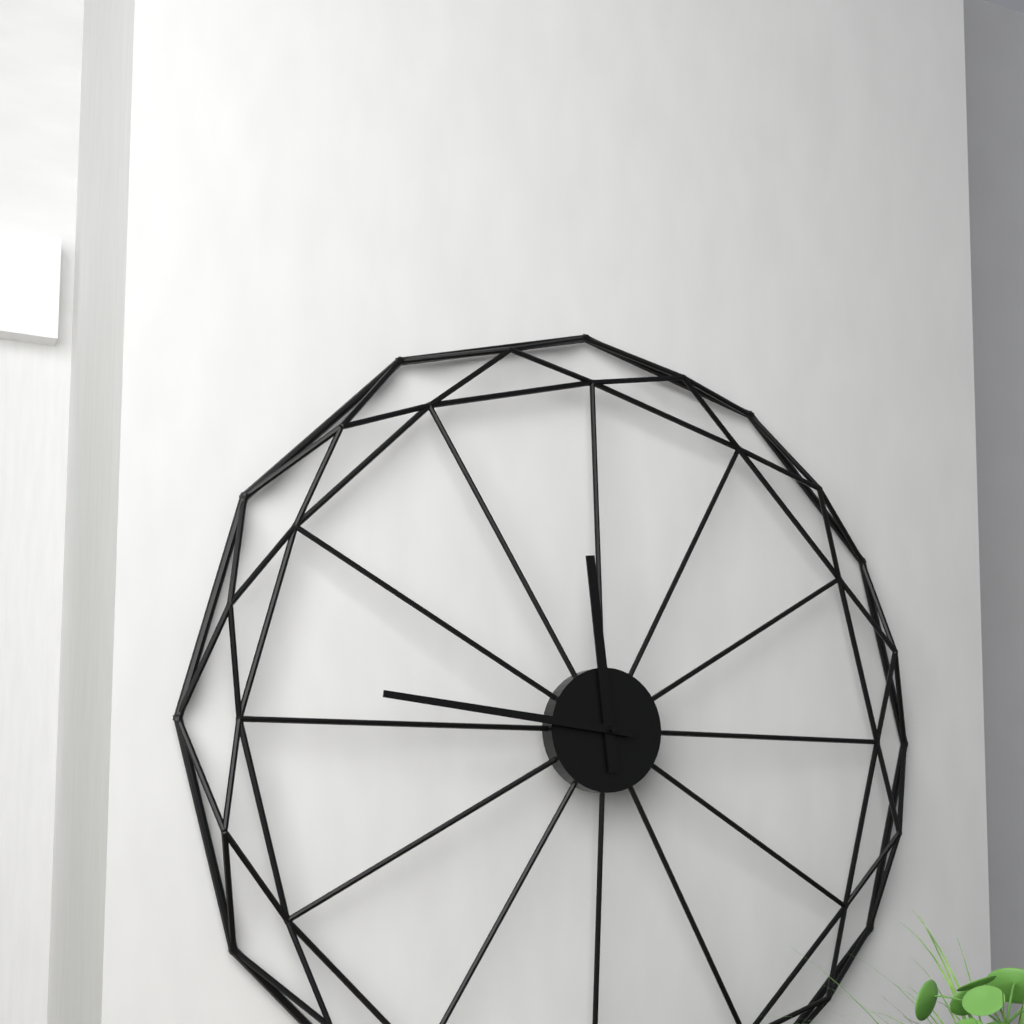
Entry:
11 h 46 min
